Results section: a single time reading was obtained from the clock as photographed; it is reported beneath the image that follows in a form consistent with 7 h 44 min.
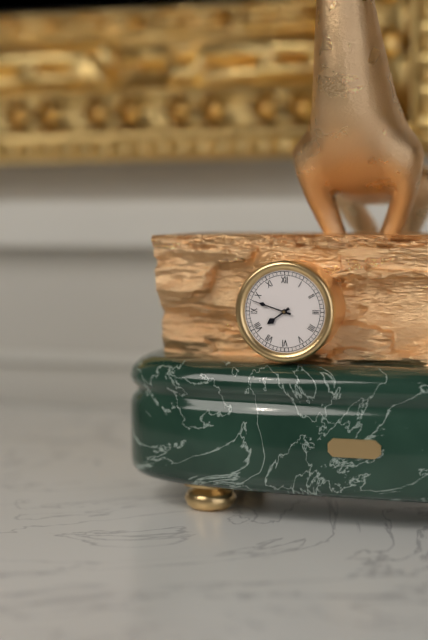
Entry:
7 h 48 min
